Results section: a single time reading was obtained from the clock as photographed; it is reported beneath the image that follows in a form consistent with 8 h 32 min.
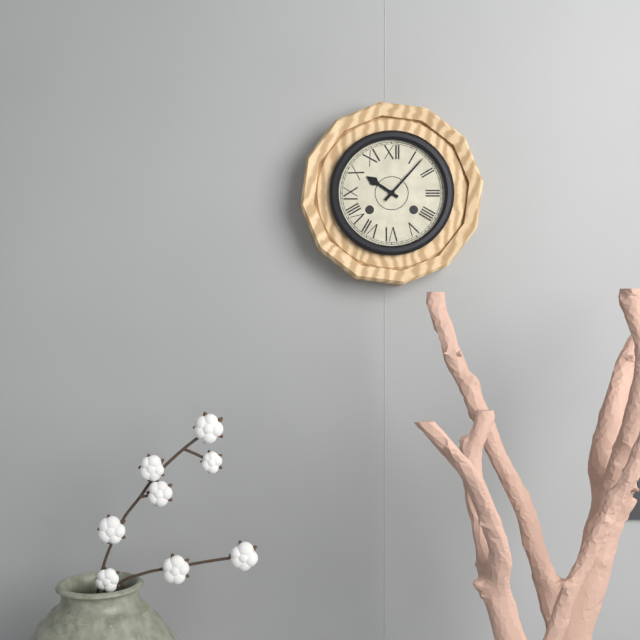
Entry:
10 h 07 min
